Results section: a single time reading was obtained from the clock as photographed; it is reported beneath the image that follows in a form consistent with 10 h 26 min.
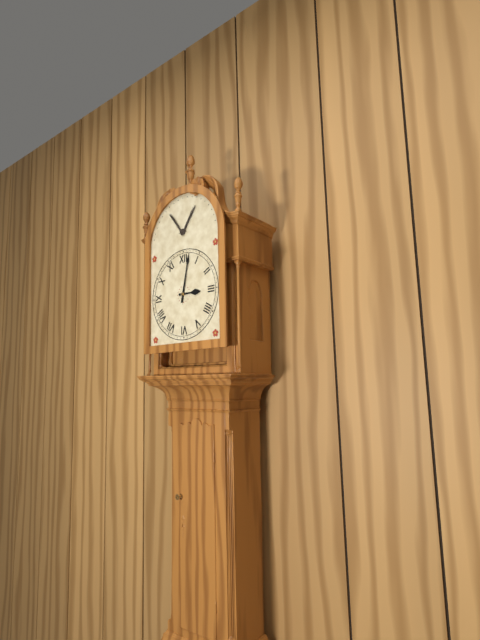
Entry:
3 h 02 min
